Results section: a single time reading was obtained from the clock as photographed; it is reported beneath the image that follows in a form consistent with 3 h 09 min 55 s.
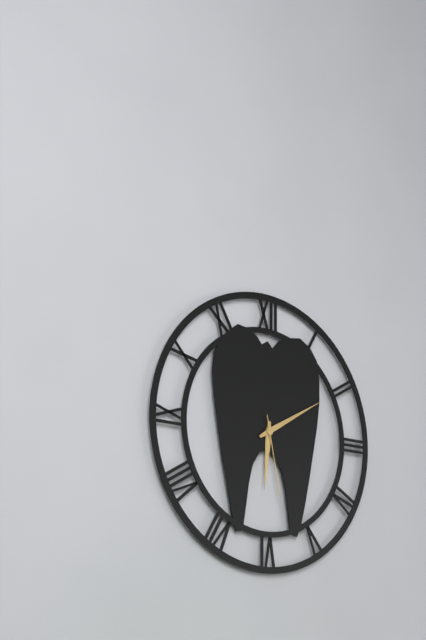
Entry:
6 h 10 min 28 s
